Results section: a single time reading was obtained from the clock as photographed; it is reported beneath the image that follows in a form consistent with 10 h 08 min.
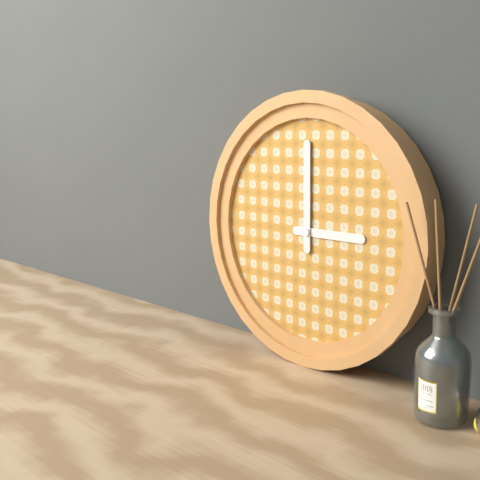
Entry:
3 h 00 min
